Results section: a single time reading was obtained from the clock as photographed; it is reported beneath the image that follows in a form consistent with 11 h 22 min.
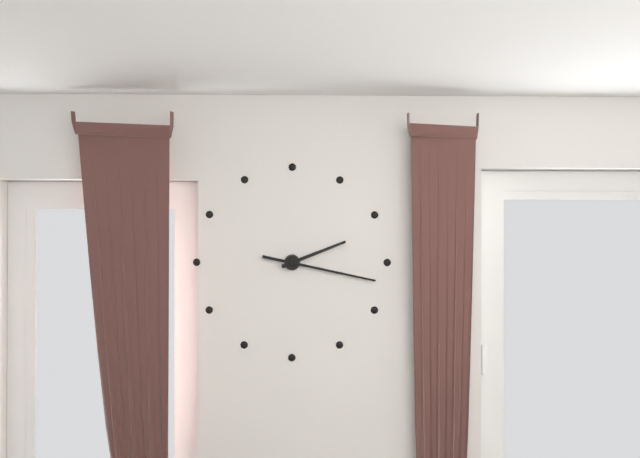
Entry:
2 h 17 min
